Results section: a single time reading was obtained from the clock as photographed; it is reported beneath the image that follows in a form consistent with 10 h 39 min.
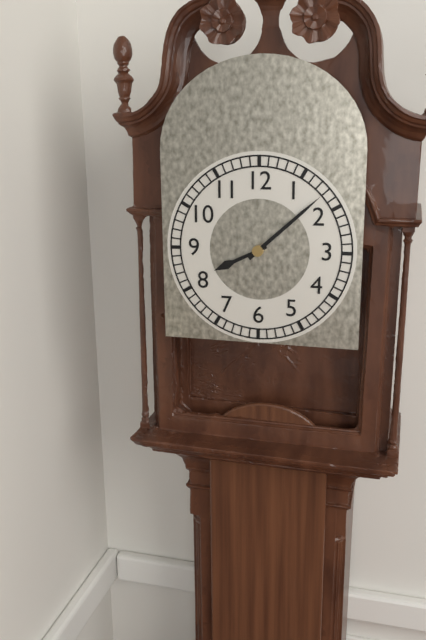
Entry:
8 h 08 min
